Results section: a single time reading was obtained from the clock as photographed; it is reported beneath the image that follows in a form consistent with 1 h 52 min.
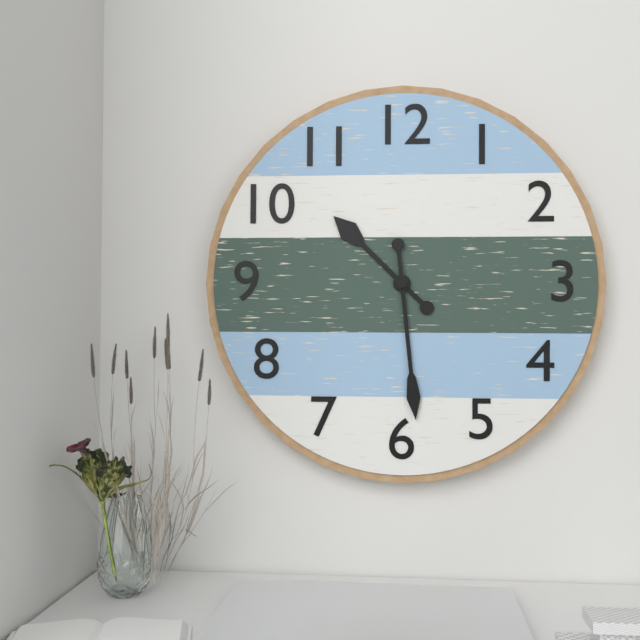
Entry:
10 h 29 min
